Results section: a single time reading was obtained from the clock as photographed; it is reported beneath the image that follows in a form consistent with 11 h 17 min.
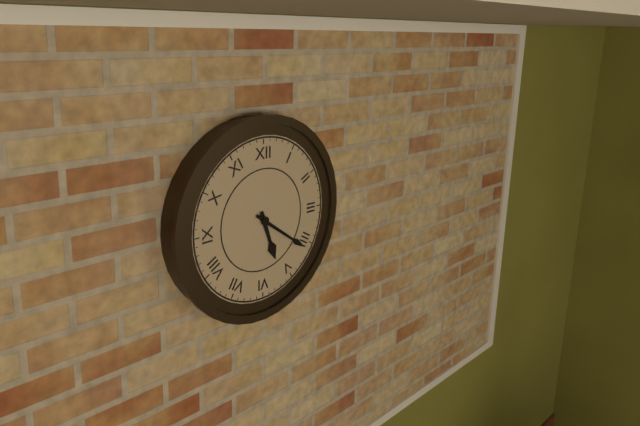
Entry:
5 h 21 min
